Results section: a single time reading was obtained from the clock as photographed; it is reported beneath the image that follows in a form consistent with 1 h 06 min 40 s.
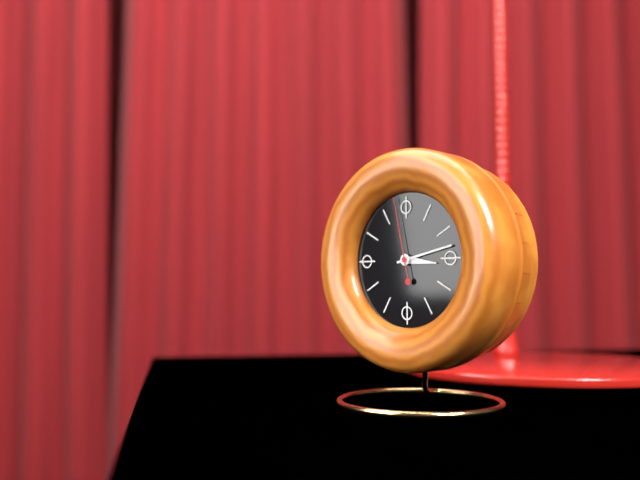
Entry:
3 h 13 min 58 s
